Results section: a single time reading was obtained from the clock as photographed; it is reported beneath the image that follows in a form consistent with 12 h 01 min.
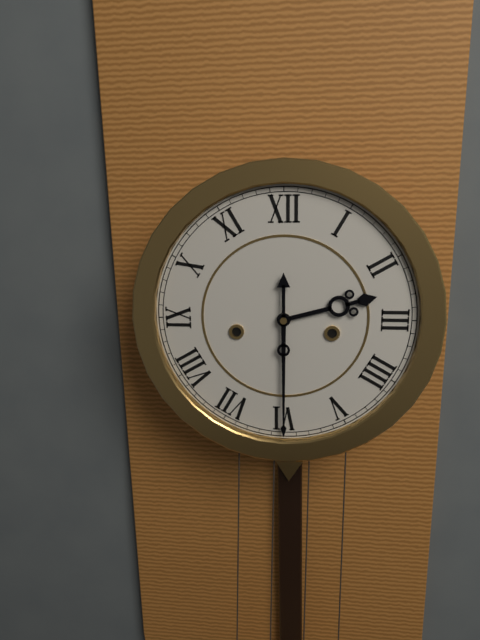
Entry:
2 h 30 min
